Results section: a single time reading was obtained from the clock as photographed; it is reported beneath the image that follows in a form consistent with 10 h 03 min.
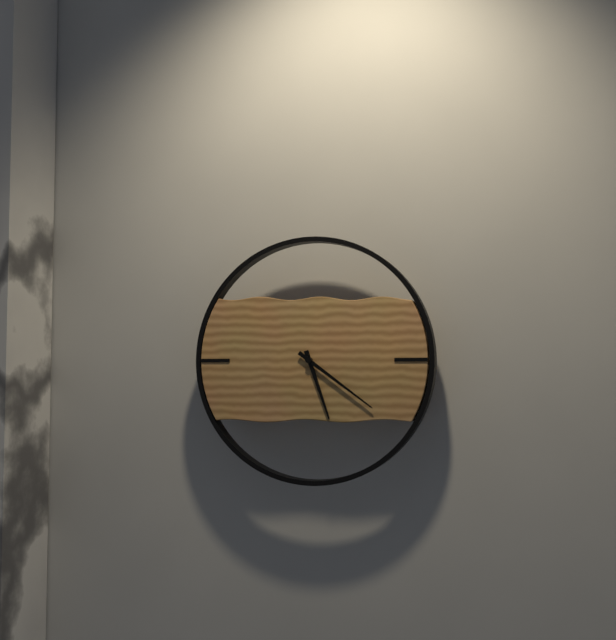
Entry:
5 h 21 min
